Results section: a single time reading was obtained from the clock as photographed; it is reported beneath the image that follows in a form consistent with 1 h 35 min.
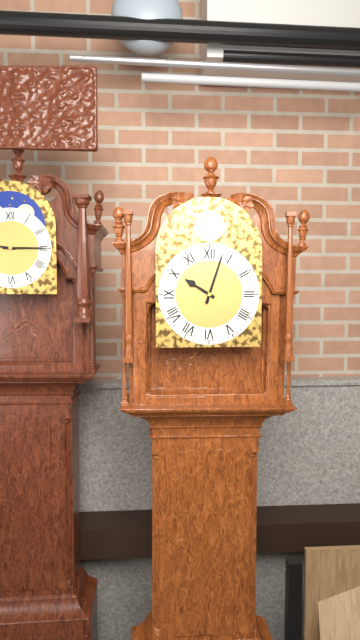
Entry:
10 h 03 min
